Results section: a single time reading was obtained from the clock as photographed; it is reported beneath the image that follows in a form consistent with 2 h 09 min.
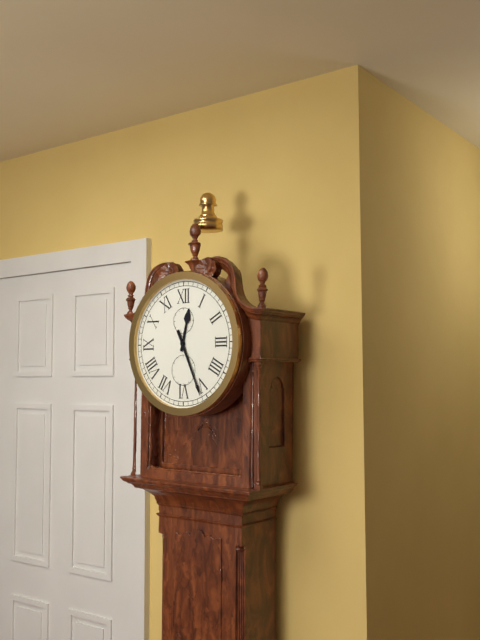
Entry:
12 h 26 min
